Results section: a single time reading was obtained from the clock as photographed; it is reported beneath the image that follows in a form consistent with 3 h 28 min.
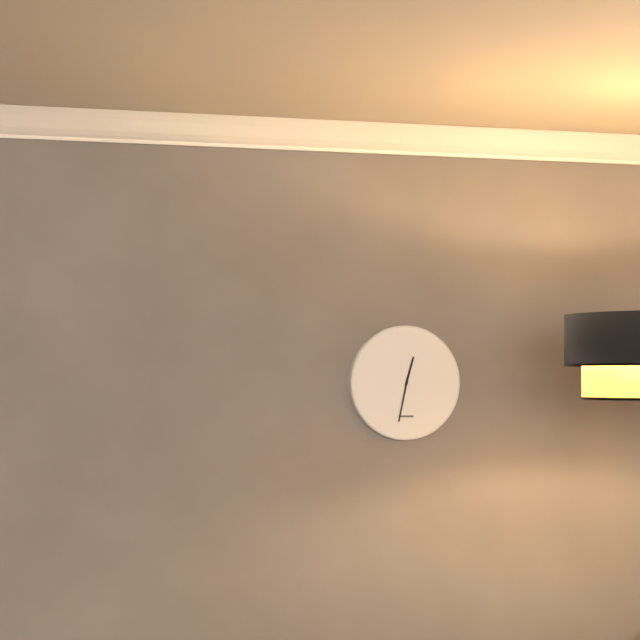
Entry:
12 h 32 min
